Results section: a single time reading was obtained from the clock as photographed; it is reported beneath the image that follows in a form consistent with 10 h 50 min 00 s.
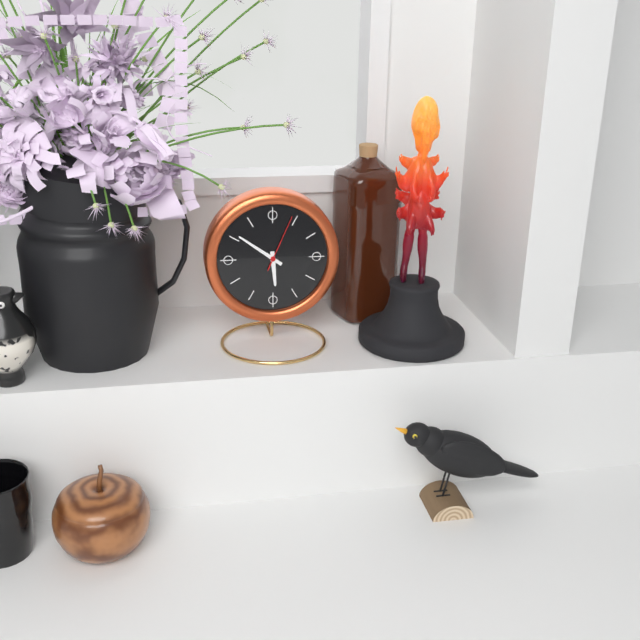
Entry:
5 h 51 min 04 s
